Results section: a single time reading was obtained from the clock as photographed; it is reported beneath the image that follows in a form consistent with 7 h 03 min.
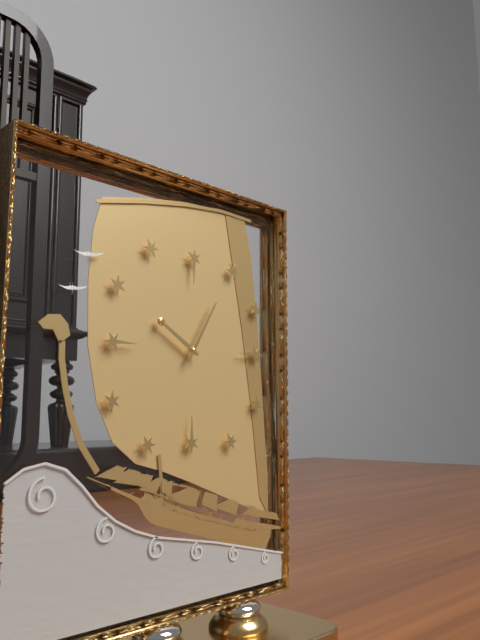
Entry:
10 h 05 min
